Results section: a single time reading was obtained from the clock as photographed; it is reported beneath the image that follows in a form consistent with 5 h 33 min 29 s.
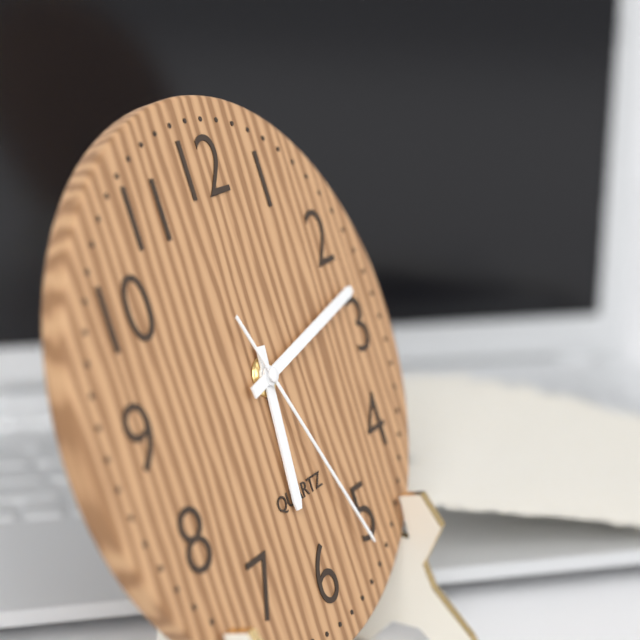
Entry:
6 h 13 min 26 s
